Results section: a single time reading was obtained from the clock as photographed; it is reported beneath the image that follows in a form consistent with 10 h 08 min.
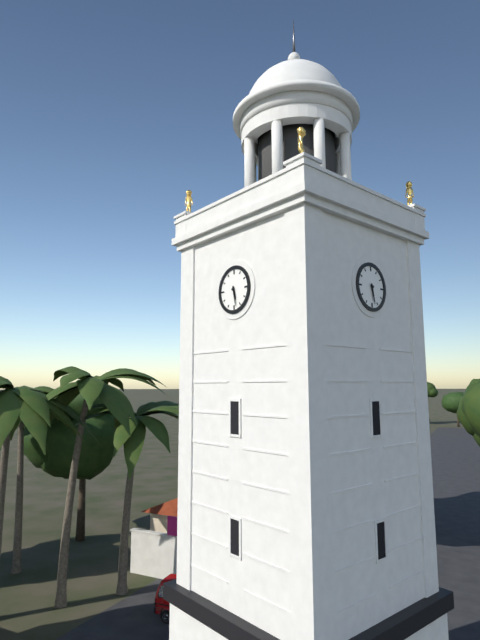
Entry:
5 h 28 min
